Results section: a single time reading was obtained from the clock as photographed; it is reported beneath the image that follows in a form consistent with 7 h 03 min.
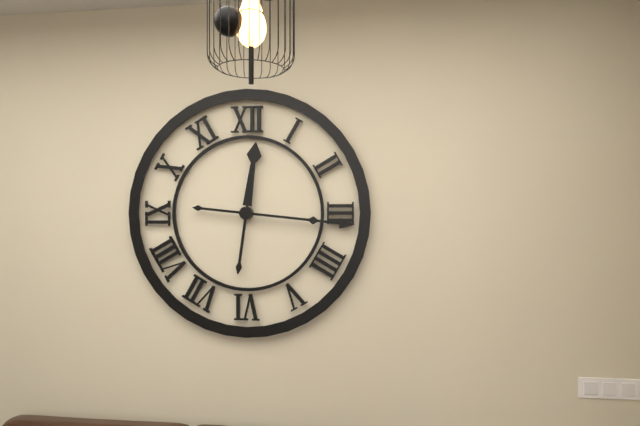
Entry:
12 h 16 min
